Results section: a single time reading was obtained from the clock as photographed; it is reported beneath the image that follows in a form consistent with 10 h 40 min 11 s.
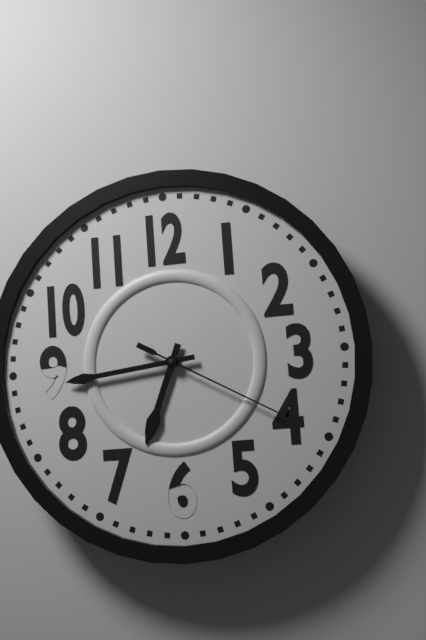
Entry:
6 h 44 min 20 s
